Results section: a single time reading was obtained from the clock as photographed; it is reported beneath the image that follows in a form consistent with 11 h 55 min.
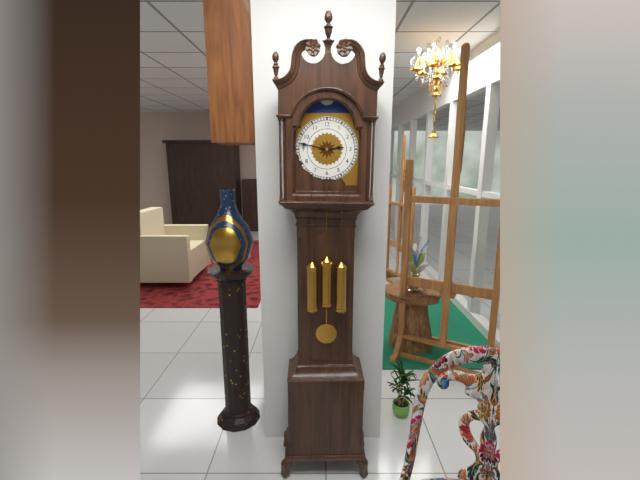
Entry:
2 h 47 min
